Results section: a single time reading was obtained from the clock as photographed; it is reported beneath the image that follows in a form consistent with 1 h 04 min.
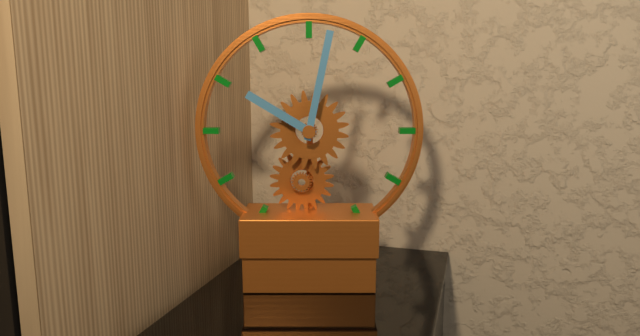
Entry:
10 h 02 min
